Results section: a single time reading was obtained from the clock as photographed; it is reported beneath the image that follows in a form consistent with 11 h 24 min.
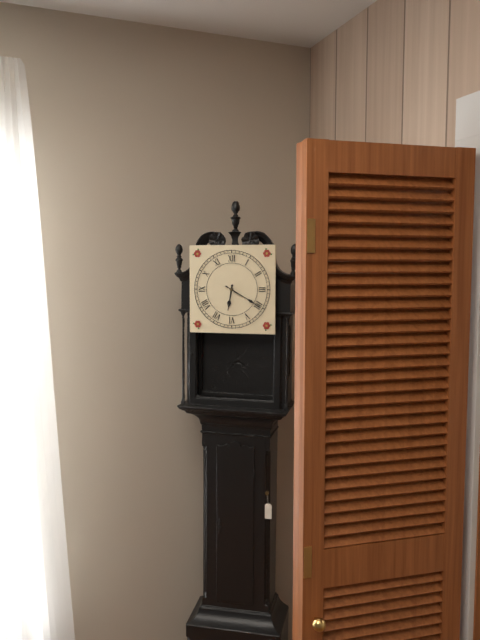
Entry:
6 h 20 min
